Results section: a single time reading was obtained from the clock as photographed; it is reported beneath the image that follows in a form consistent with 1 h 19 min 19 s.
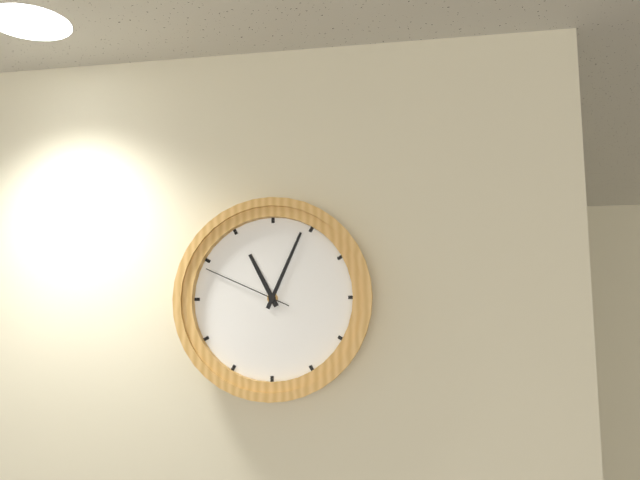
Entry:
11 h 04 min 49 s
